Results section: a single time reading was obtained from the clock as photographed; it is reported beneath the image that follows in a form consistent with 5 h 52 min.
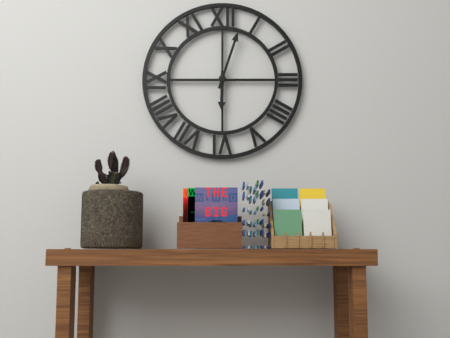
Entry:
6 h 03 min
